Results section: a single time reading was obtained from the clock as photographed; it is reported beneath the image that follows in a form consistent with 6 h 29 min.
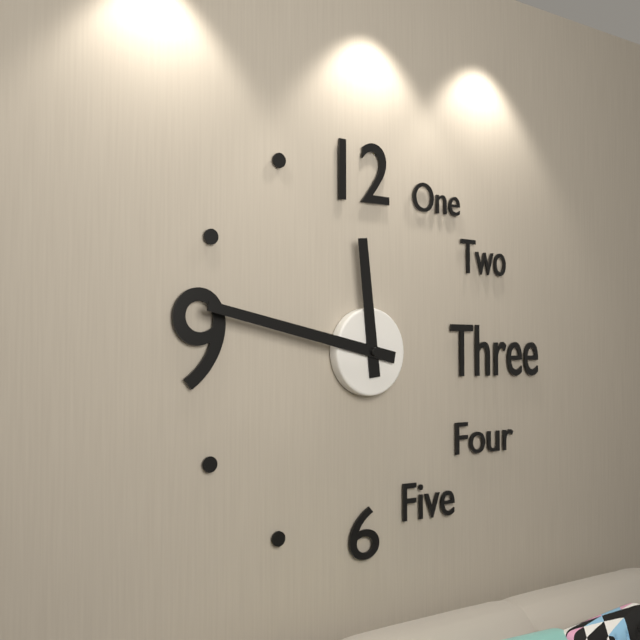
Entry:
11 h 47 min
